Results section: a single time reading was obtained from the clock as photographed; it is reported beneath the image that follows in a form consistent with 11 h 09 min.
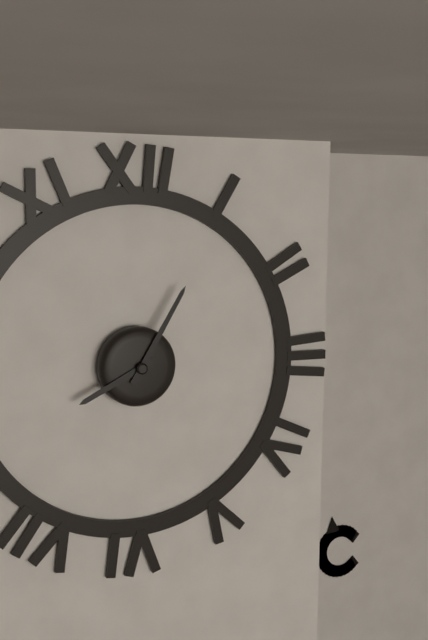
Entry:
8 h 05 min
